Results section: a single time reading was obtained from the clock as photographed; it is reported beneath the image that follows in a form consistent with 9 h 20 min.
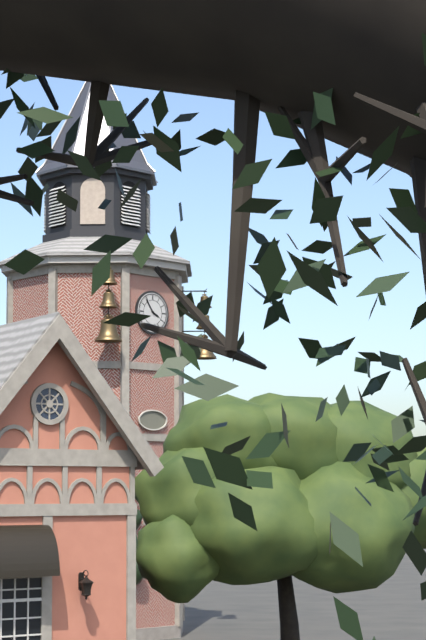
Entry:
3 h 54 min
